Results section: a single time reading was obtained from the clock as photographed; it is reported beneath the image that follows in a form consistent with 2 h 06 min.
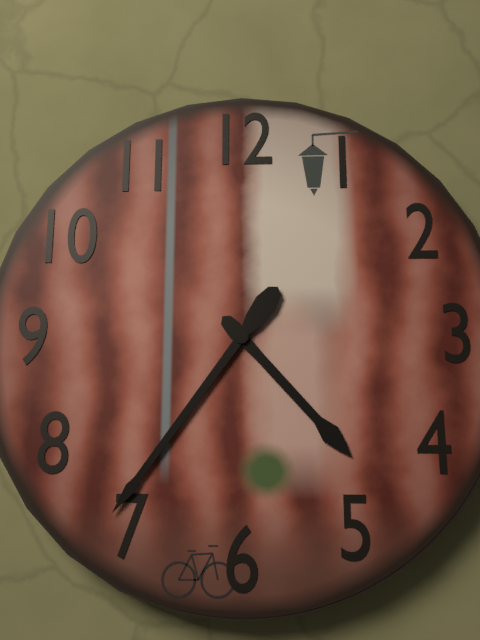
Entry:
4 h 36 min
